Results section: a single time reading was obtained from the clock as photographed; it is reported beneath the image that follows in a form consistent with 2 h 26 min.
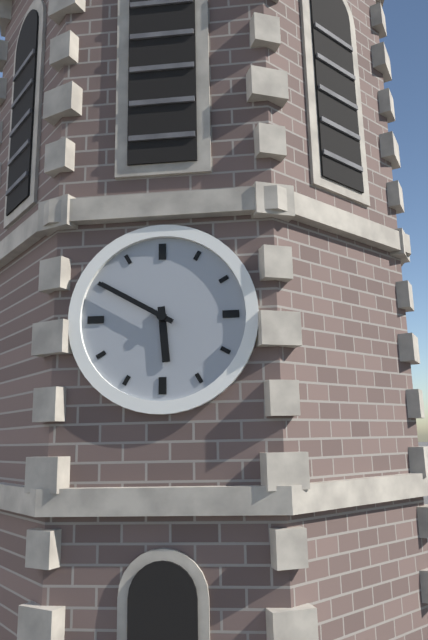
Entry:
5 h 50 min
